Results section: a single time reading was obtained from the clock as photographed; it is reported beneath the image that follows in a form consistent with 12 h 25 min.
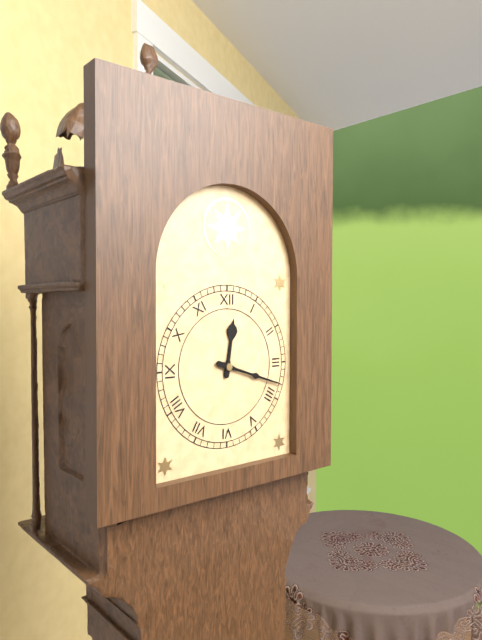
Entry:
12 h 18 min
